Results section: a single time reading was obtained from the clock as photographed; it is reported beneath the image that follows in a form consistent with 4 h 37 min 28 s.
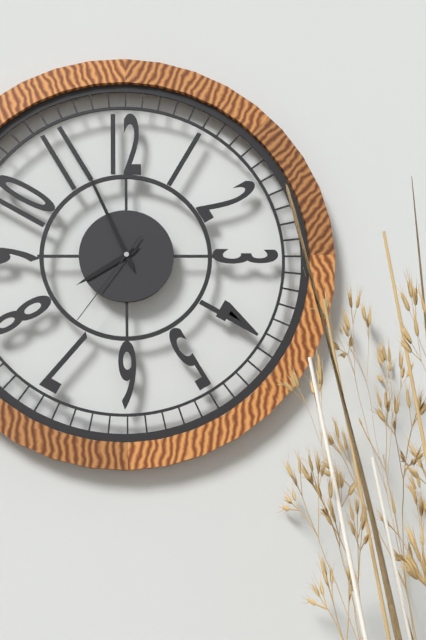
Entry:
7 h 56 min 36 s
